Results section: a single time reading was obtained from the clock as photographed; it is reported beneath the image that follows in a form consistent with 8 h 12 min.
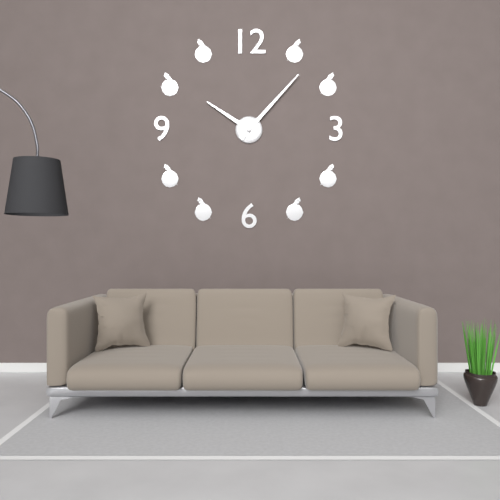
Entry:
10 h 07 min
